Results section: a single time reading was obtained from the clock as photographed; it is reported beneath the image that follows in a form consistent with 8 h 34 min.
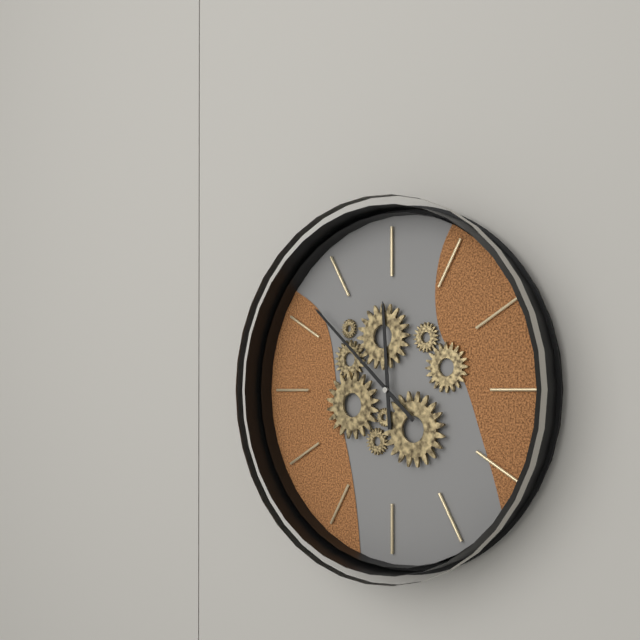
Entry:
11 h 52 min
